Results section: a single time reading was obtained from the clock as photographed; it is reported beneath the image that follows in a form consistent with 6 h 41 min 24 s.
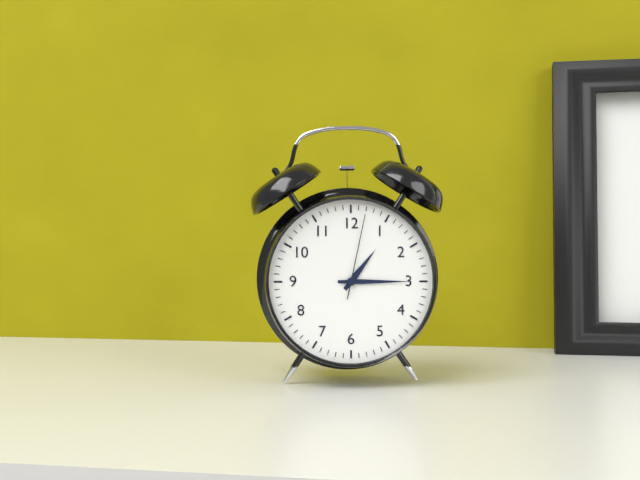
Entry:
1 h 15 min 02 s
